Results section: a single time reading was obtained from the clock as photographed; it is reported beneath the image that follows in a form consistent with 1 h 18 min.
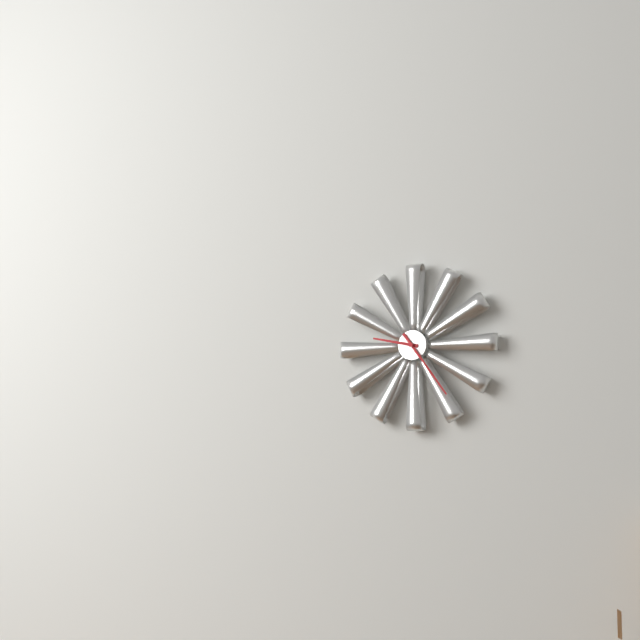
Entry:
9 h 24 min
